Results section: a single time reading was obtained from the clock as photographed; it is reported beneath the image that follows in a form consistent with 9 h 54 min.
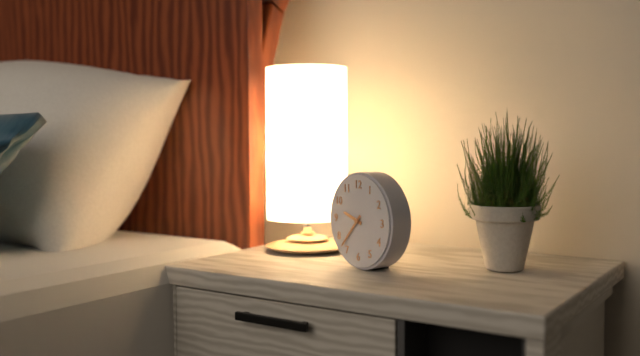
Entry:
9 h 37 min
